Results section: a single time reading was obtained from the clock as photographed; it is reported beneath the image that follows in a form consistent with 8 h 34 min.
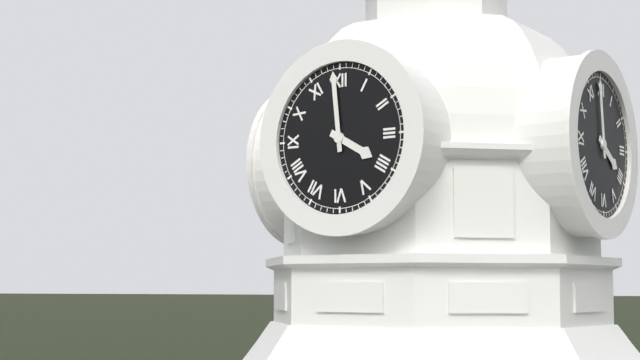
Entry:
3 h 59 min
